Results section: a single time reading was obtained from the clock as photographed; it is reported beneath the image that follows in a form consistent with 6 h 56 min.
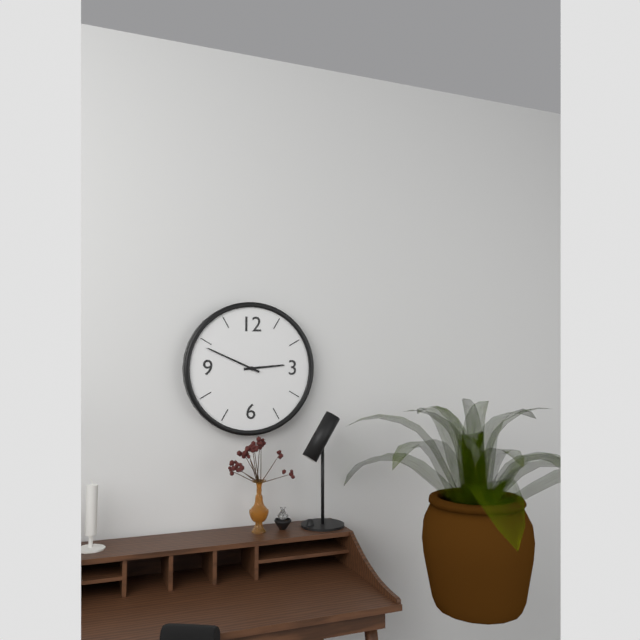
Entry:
2 h 49 min
